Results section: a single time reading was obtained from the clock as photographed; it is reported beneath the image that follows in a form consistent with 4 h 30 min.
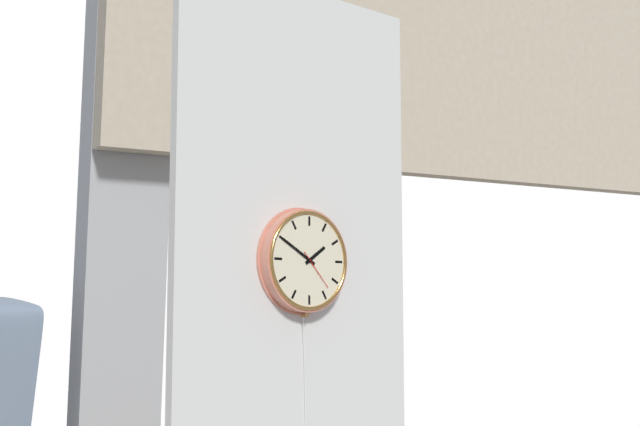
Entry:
1 h 50 min
